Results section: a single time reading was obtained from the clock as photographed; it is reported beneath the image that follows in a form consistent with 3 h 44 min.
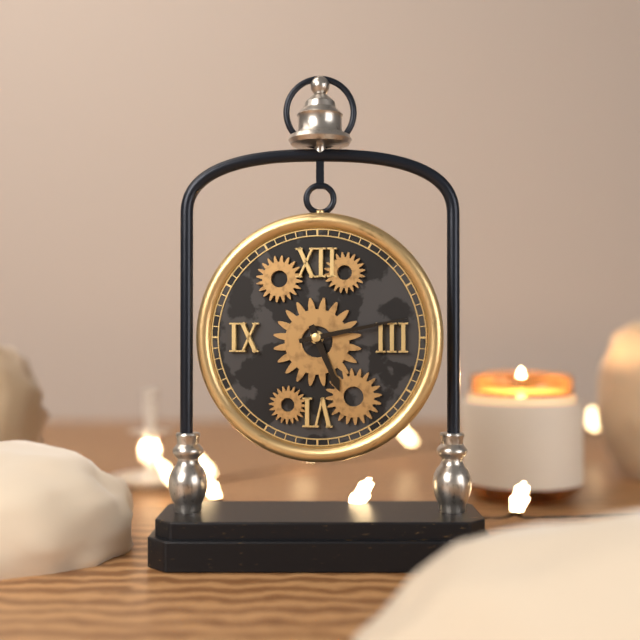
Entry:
5 h 13 min
